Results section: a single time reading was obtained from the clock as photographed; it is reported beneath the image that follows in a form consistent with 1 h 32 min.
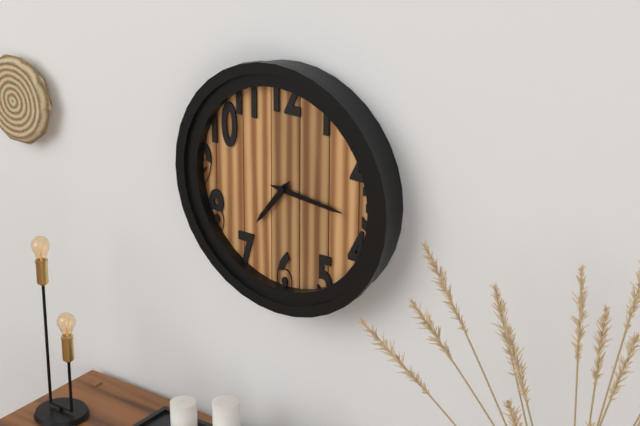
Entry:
7 h 16 min
